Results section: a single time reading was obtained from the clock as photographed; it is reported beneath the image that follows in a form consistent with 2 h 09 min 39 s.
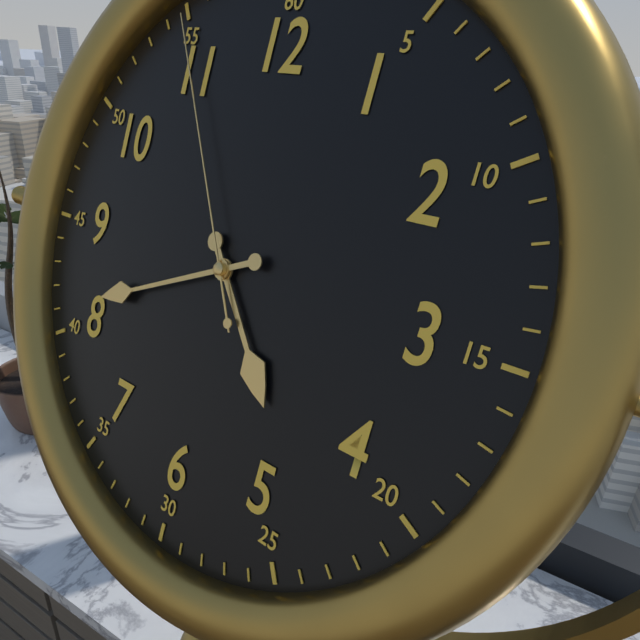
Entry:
4 h 41 min 55 s
